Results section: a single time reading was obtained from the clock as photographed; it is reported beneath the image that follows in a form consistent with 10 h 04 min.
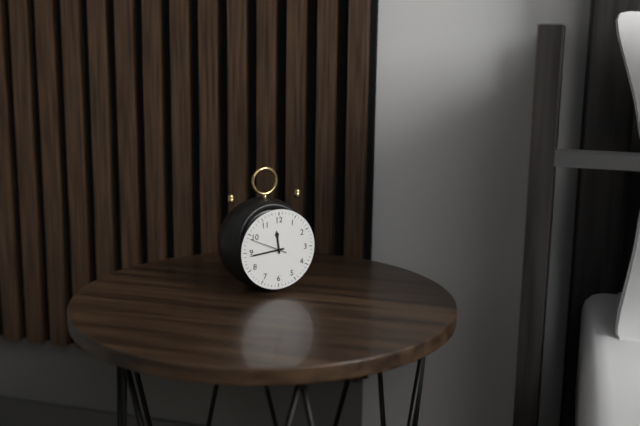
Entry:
11 h 44 min
